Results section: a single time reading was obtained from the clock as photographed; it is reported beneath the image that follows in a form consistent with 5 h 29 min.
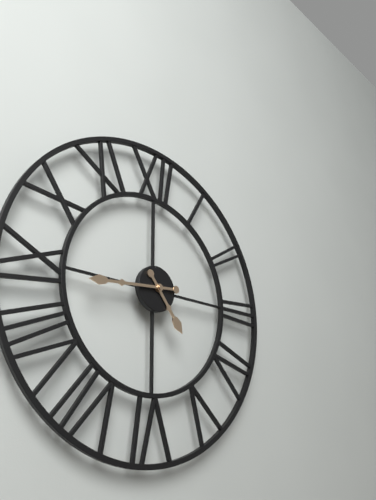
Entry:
4 h 44 min
